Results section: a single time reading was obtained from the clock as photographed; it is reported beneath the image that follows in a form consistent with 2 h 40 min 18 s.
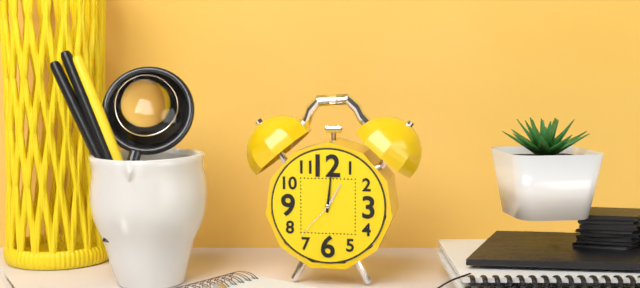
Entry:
1 h 01 min 37 s
